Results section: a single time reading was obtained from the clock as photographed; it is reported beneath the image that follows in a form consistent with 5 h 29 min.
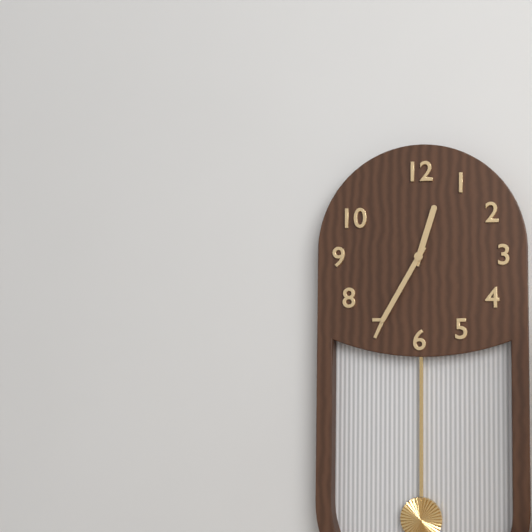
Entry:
12 h 35 min
